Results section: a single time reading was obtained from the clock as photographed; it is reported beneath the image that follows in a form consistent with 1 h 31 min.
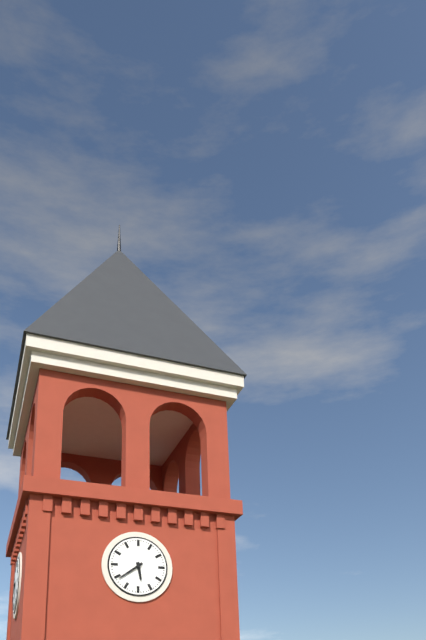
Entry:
5 h 39 min
